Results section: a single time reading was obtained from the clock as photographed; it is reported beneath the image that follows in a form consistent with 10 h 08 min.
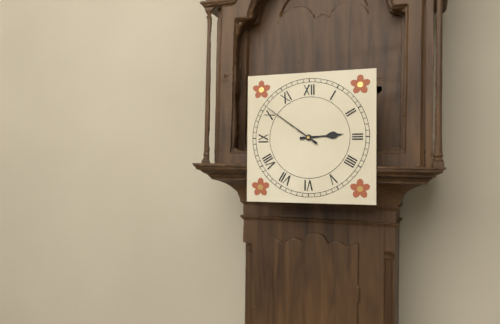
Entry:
2 h 51 min
